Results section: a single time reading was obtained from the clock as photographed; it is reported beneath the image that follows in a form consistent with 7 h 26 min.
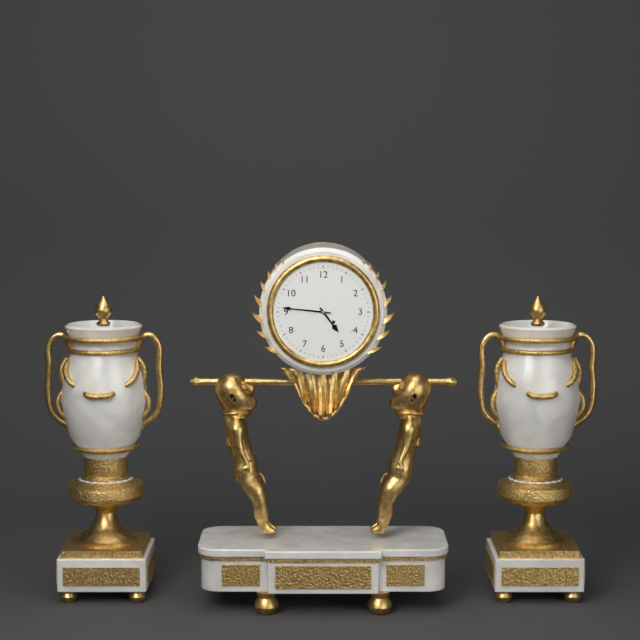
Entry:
4 h 46 min
